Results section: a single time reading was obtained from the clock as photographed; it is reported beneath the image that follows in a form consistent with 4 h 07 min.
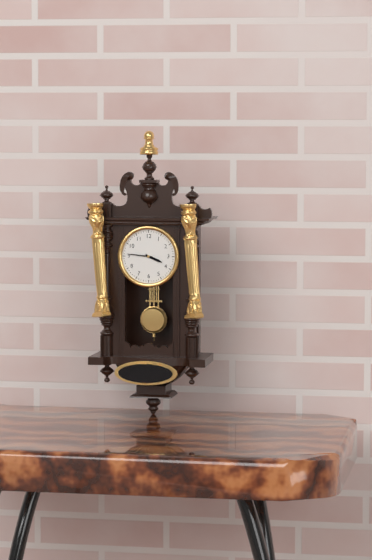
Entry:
3 h 46 min
